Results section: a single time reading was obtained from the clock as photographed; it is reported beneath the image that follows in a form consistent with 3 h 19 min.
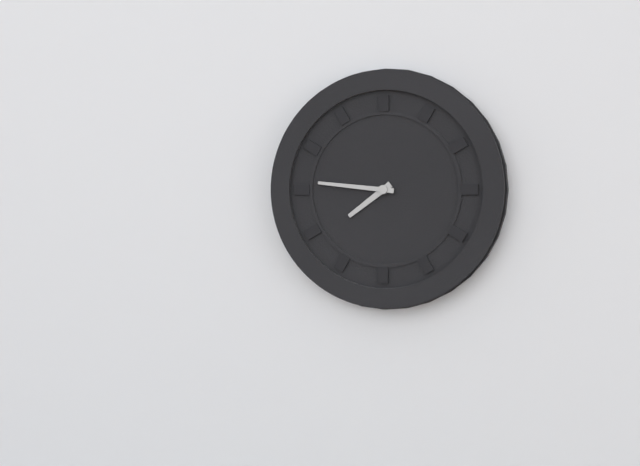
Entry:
7 h 46 min
